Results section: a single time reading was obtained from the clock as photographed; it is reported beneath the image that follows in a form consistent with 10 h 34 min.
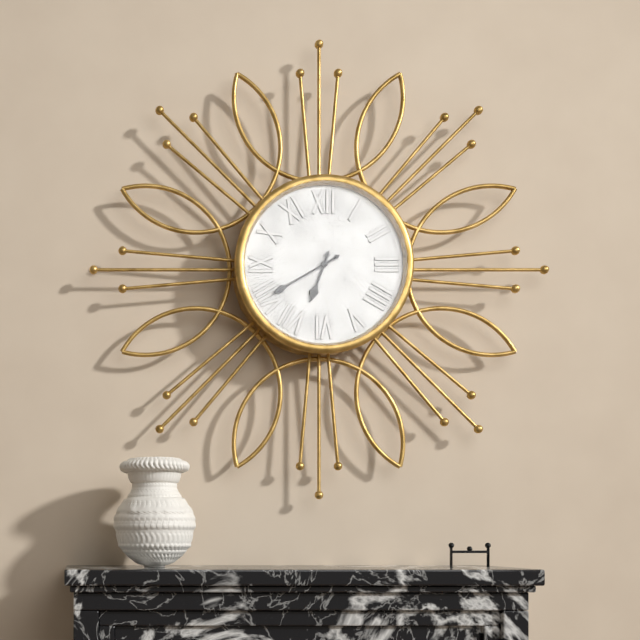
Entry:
6 h 40 min
